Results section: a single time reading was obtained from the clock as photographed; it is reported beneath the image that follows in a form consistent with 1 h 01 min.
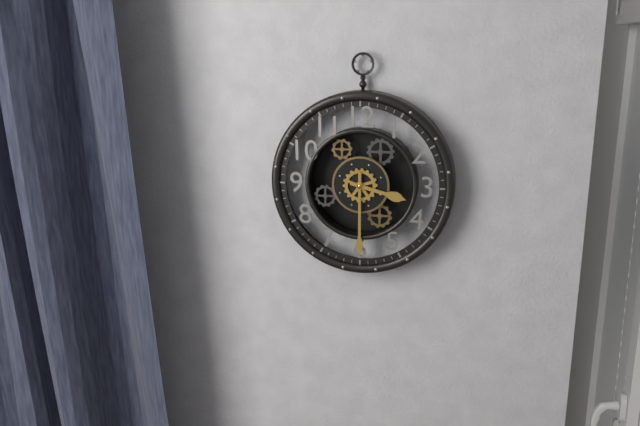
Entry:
3 h 30 min
